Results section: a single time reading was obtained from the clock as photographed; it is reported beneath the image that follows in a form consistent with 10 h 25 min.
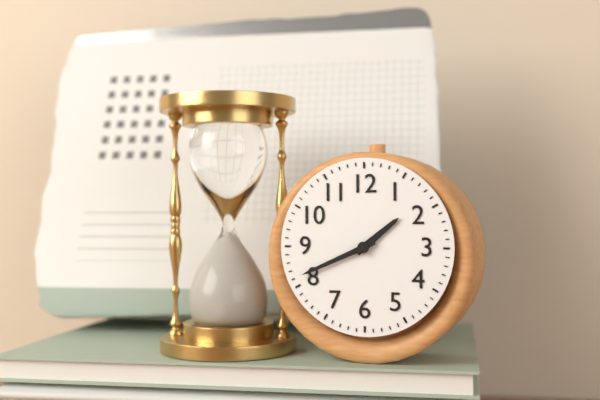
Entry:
1 h 41 min
